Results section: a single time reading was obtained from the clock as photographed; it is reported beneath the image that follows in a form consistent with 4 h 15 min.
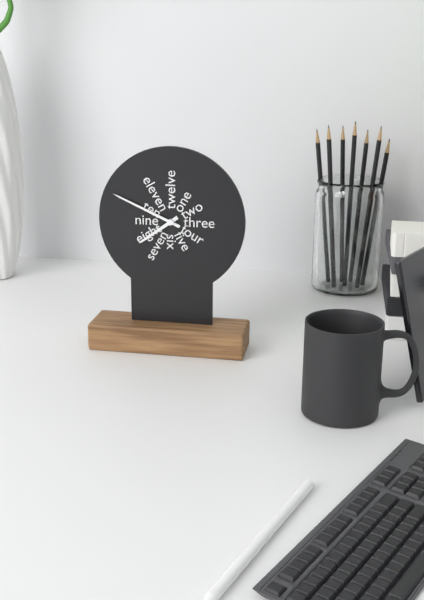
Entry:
7 h 49 min
